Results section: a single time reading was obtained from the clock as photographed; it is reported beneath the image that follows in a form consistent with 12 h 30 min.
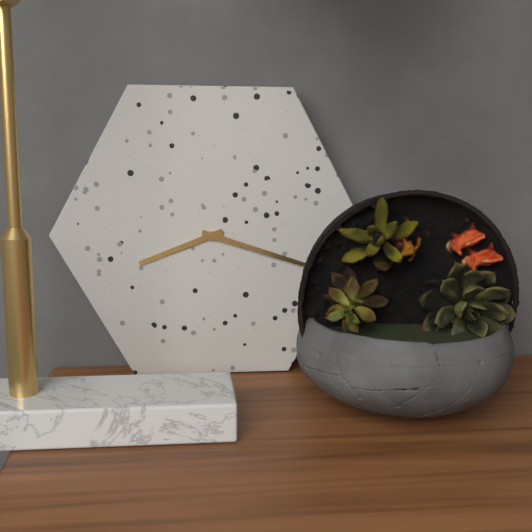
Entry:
8 h 18 min
